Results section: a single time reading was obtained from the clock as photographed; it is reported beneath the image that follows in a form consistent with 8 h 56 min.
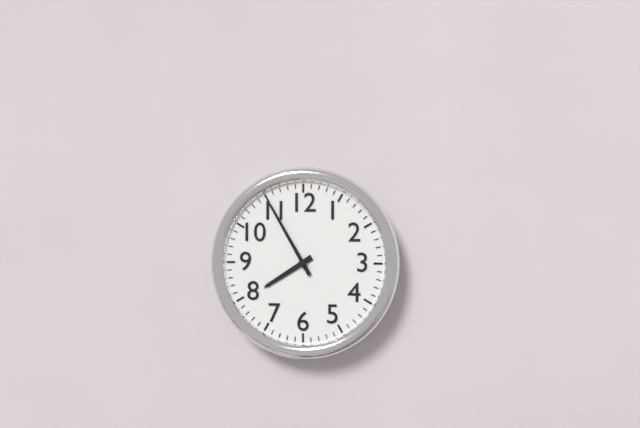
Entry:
7 h 55 min
